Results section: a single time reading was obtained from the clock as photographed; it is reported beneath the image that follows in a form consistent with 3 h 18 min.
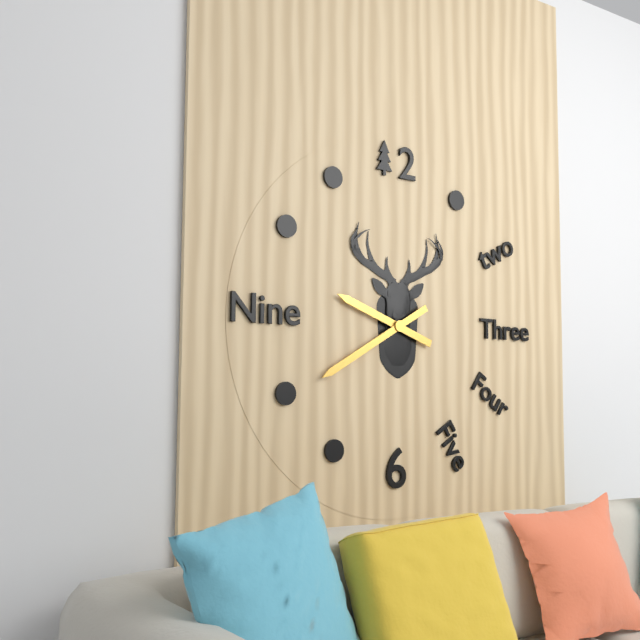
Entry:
9 h 40 min
